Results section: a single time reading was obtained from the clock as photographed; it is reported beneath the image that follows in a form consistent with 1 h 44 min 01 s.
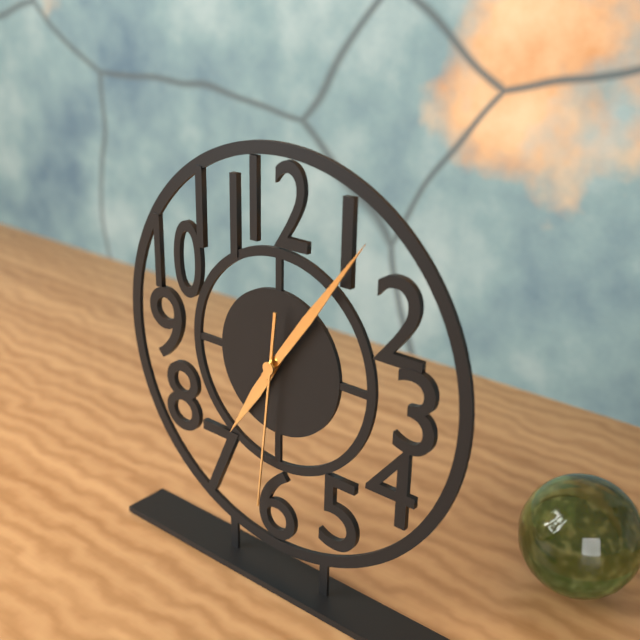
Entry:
7 h 06 min 31 s
